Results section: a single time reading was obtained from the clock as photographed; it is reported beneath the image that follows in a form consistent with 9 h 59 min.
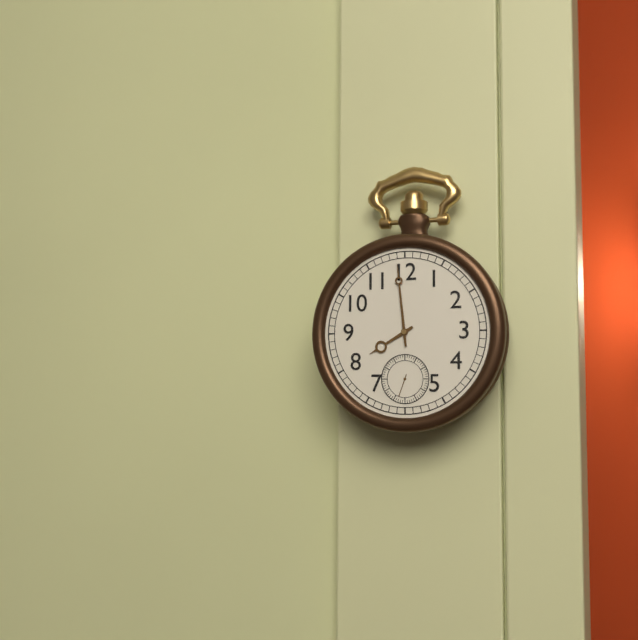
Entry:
7 h 59 min
